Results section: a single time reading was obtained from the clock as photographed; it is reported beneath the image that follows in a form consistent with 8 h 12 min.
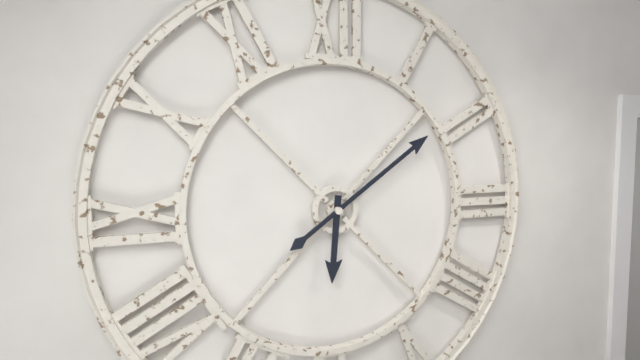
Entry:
6 h 09 min
